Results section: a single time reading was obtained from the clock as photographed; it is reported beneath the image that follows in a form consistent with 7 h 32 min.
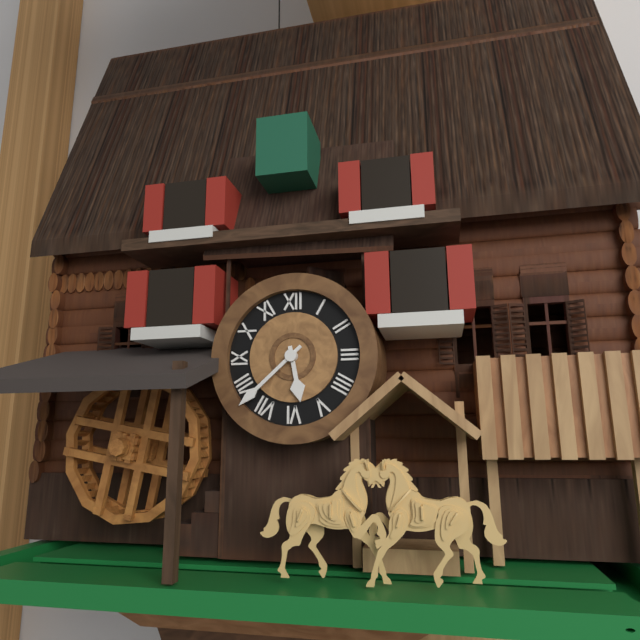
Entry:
5 h 38 min
